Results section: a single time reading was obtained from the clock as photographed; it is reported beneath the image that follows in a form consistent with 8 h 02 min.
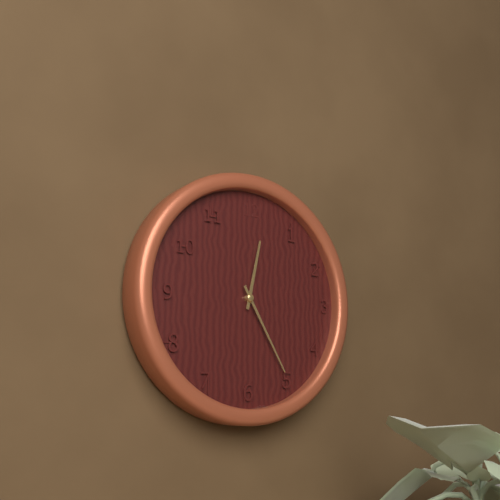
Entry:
12 h 25 min
